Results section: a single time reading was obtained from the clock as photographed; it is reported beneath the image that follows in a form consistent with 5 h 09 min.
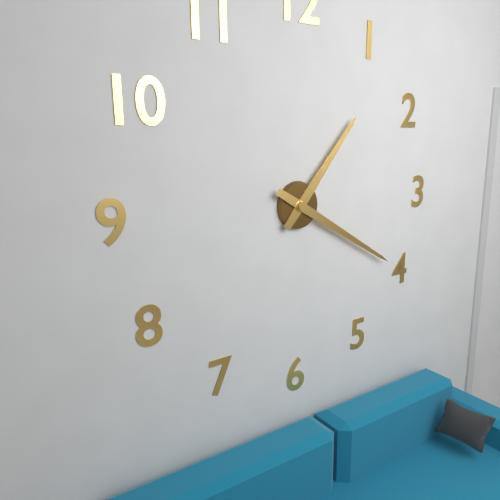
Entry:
1 h 20 min
